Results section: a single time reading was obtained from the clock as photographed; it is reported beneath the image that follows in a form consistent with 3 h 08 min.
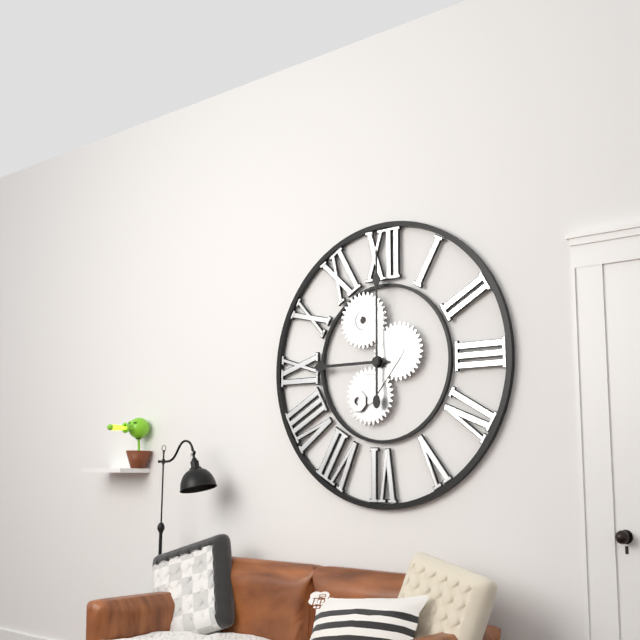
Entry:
9 h 00 min
